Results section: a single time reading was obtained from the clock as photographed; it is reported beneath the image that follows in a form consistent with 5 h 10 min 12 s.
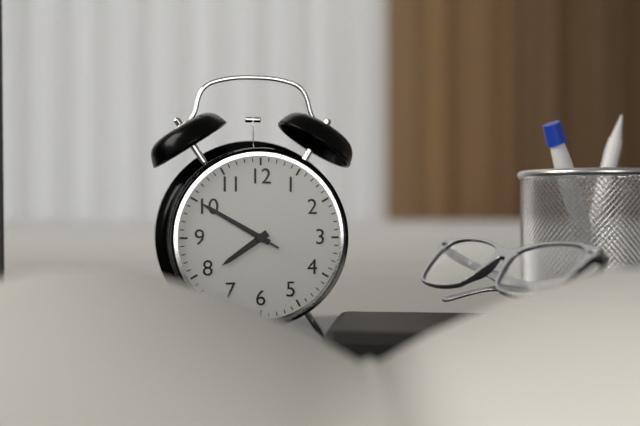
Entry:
7 h 50 min 50 s
